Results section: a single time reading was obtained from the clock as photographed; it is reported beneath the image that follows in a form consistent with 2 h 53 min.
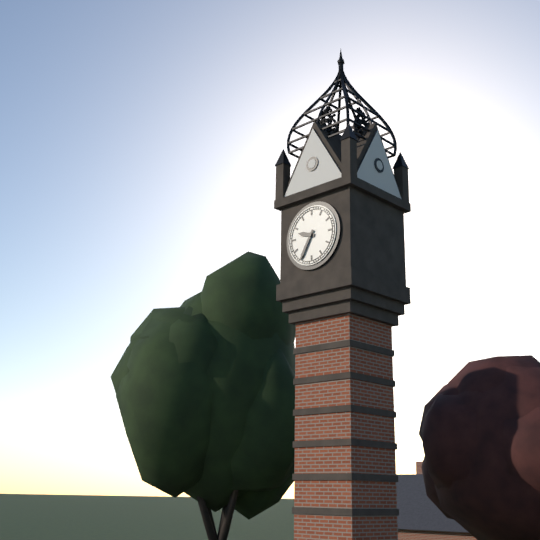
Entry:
9 h 35 min
